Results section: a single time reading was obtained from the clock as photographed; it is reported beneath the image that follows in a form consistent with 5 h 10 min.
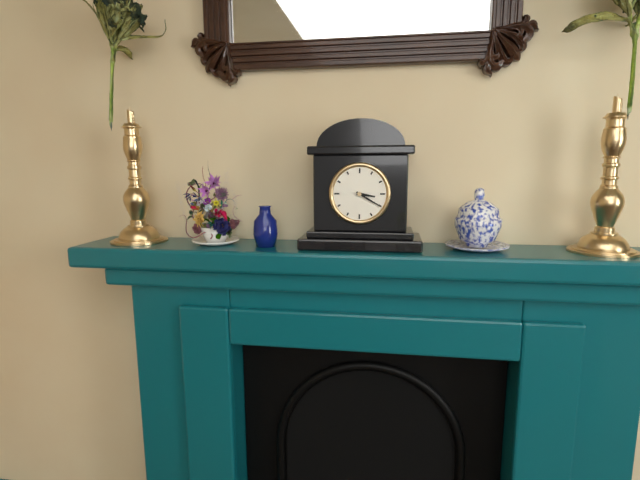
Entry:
3 h 20 min
